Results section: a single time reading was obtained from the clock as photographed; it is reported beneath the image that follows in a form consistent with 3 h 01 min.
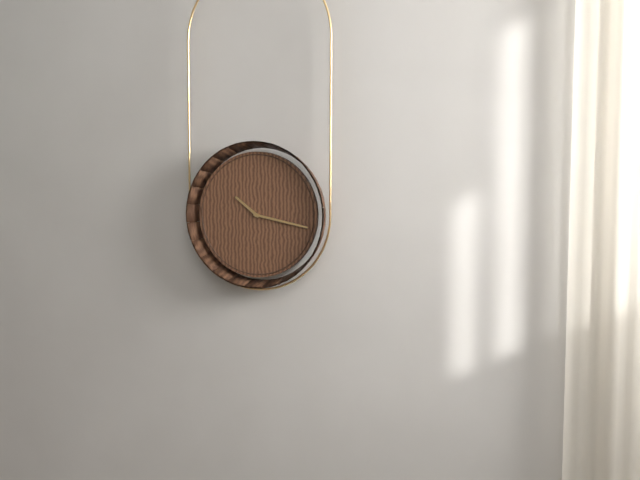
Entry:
10 h 17 min
